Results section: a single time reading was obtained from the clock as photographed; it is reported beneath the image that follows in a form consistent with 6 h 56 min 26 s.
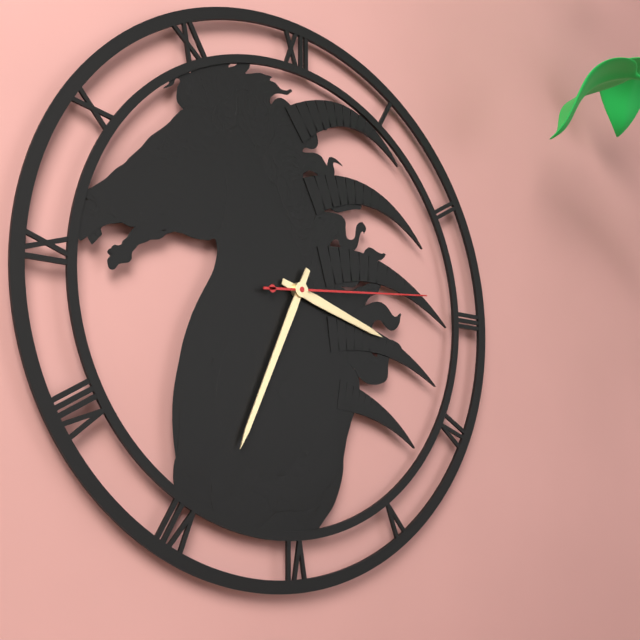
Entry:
3 h 34 min 14 s
